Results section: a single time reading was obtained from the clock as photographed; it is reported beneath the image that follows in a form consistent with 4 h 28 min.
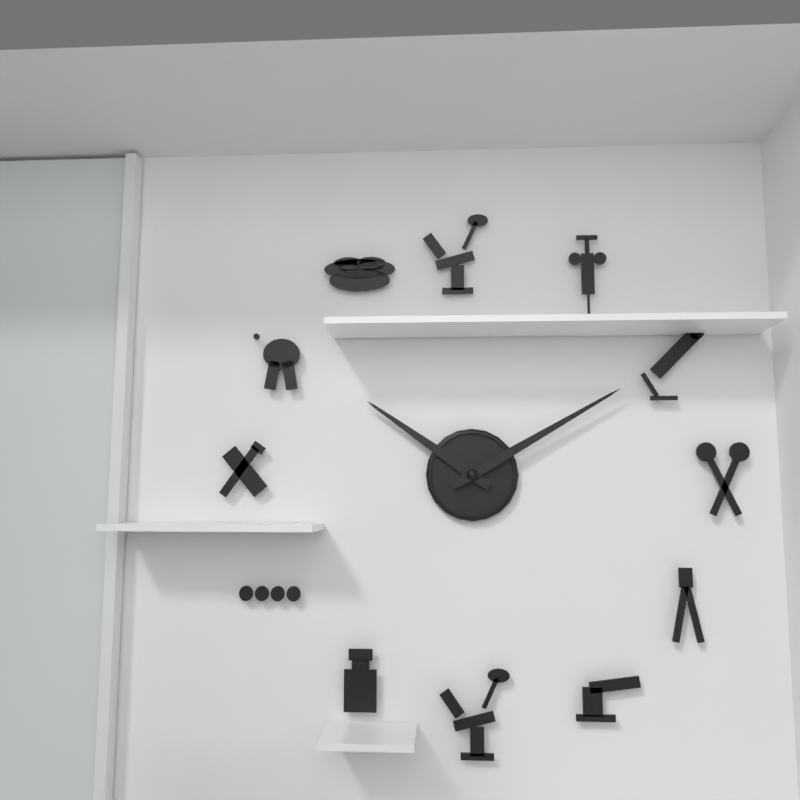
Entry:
10 h 10 min
